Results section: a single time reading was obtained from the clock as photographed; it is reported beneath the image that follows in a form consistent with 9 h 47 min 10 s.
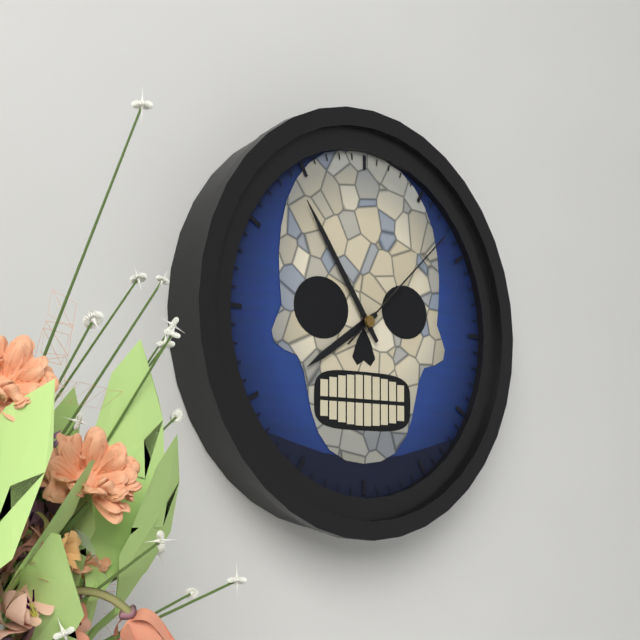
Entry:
7 h 54 min 08 s
